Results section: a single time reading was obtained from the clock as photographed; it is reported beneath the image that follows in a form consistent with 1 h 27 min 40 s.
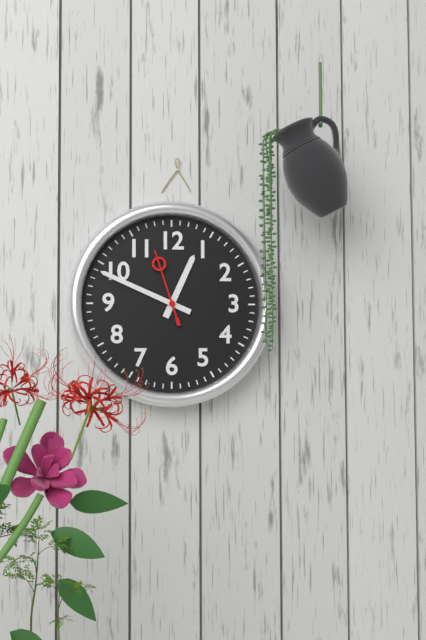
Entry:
12 h 49 min 57 s
